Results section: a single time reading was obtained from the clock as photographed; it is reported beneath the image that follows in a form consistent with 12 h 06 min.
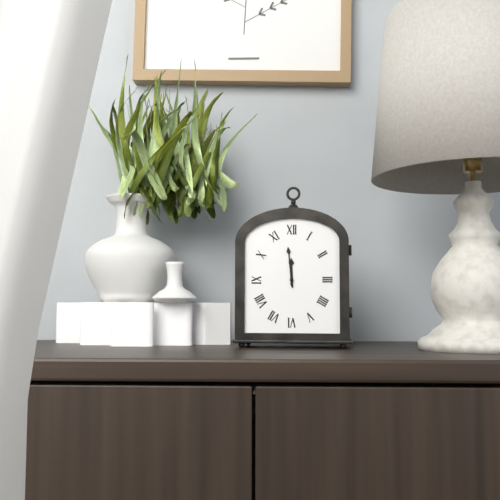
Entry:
11 h 59 min
